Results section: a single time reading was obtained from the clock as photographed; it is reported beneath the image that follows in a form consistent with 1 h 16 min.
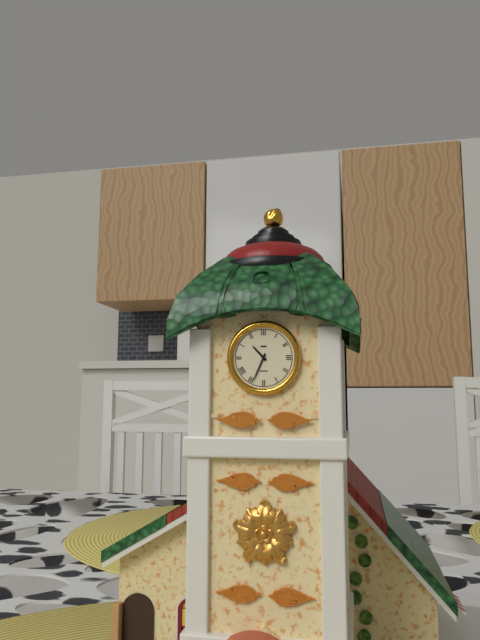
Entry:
10 h 34 min
